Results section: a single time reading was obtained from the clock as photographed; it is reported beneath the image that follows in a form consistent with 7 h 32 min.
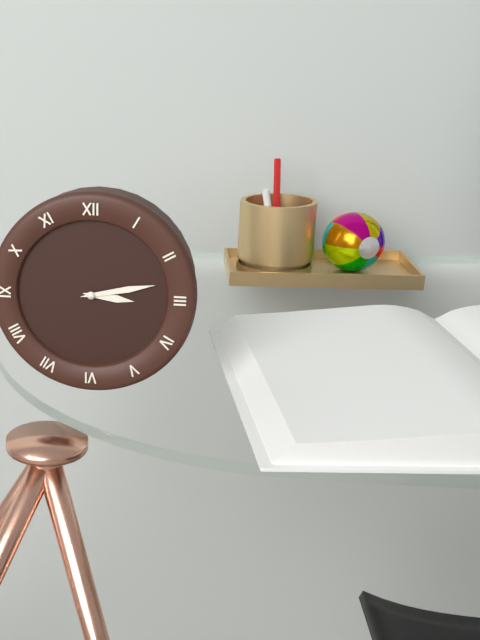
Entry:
3 h 13 min
